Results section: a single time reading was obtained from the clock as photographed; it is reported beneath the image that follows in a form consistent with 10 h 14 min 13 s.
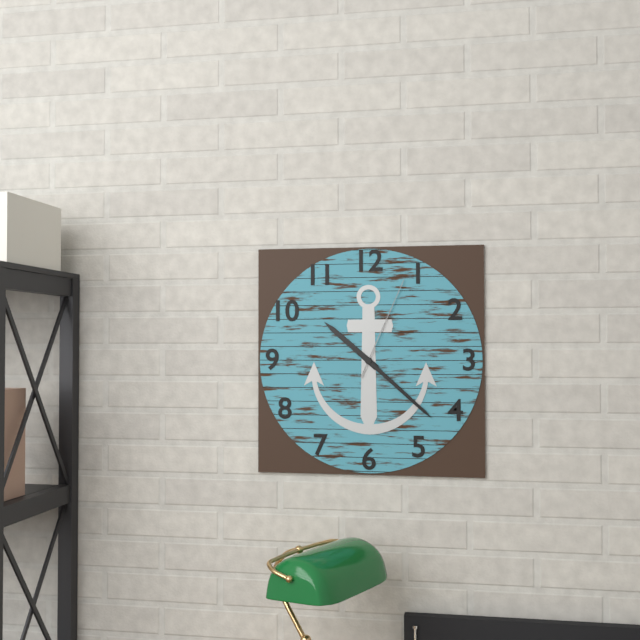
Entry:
10 h 22 min 04 s
